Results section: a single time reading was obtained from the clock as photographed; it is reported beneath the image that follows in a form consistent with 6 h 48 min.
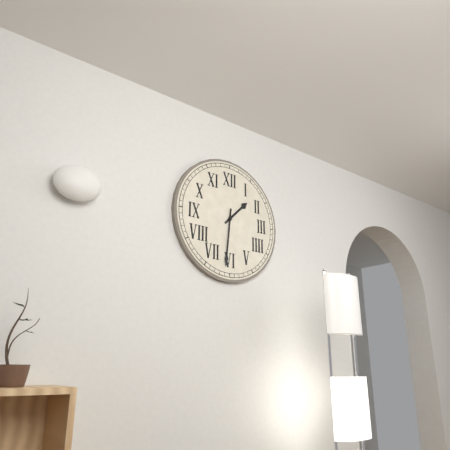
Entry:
1 h 31 min
